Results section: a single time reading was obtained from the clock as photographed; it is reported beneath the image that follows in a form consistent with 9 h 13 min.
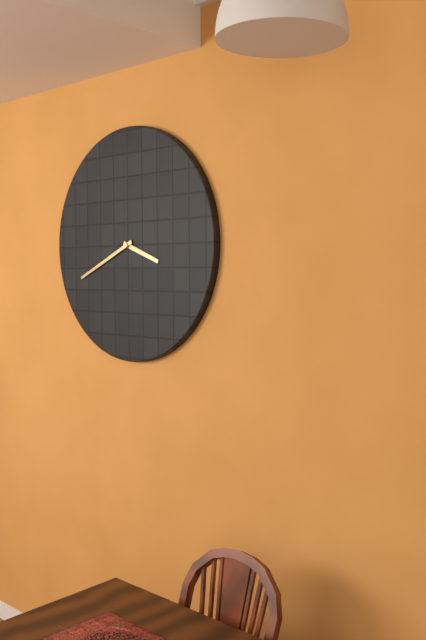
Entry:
3 h 41 min
